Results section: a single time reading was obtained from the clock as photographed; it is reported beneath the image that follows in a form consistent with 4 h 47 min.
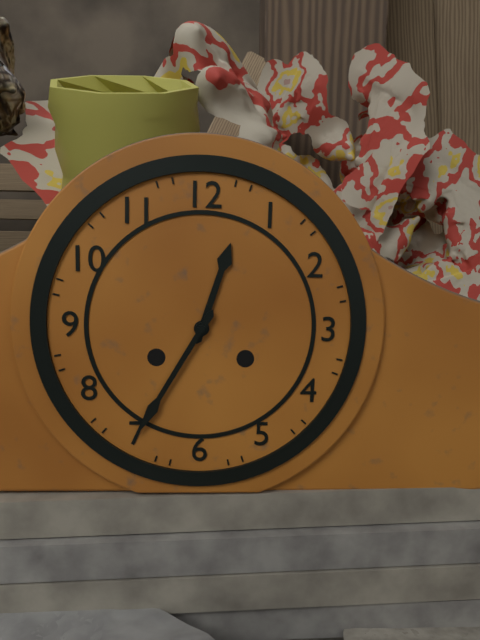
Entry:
12 h 35 min
